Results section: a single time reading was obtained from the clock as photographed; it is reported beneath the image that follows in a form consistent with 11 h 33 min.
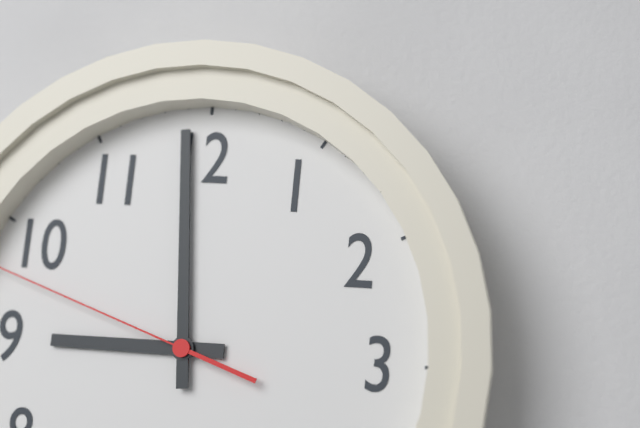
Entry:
8 h 59 min
